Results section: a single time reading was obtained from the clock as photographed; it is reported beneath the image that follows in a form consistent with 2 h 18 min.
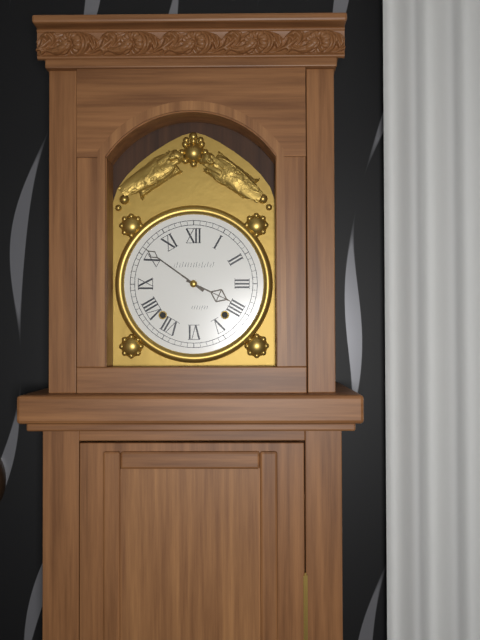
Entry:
3 h 51 min
